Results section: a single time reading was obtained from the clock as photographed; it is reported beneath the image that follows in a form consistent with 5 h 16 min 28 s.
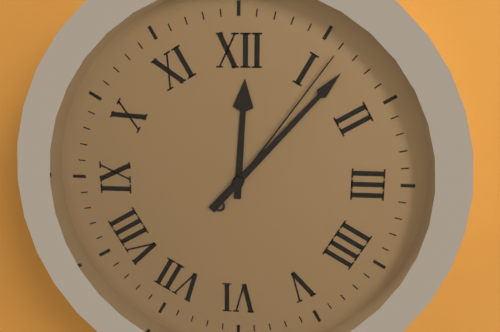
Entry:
12 h 07 min 06 s
